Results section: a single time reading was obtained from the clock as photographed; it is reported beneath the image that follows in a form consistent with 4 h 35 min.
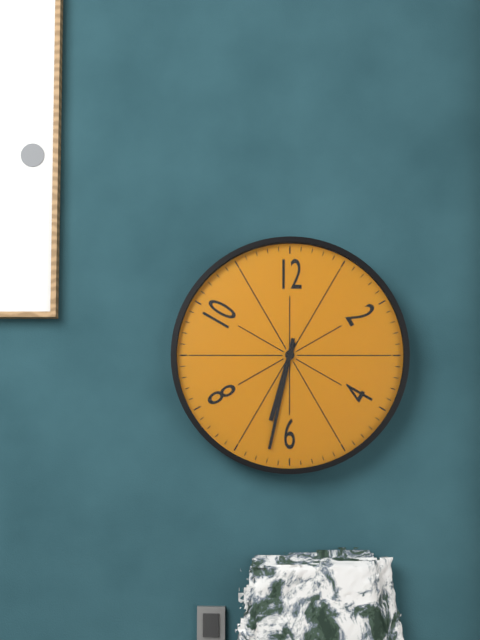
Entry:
6 h 32 min
